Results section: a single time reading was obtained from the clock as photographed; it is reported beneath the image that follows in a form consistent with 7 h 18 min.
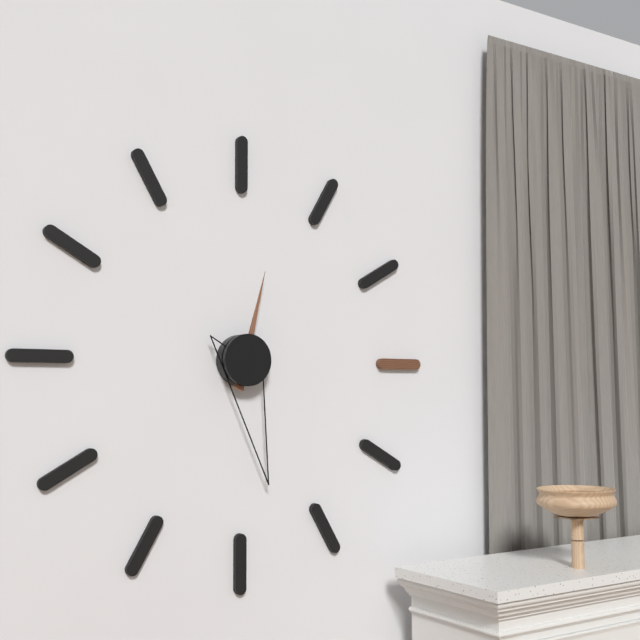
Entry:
12 h 28 min
